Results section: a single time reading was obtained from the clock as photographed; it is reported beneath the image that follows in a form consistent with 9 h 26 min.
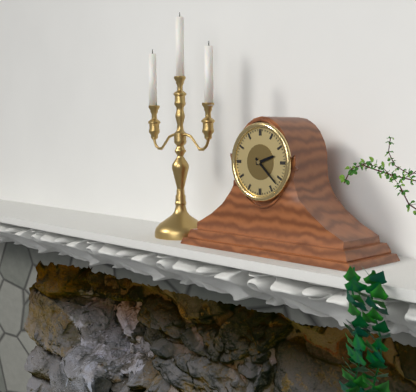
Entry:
2 h 22 min
